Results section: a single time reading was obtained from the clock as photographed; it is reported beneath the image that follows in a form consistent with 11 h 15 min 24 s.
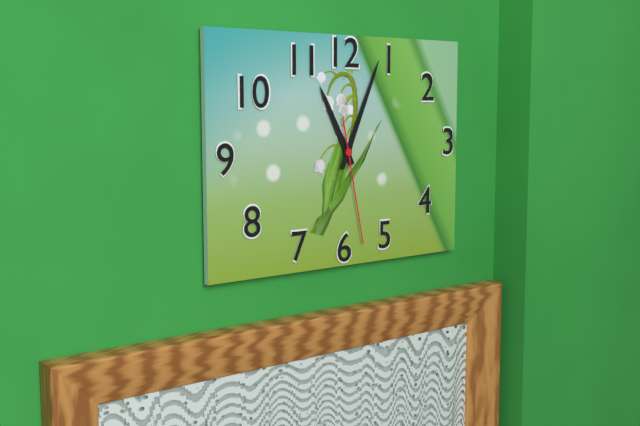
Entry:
11 h 04 min 28 s
